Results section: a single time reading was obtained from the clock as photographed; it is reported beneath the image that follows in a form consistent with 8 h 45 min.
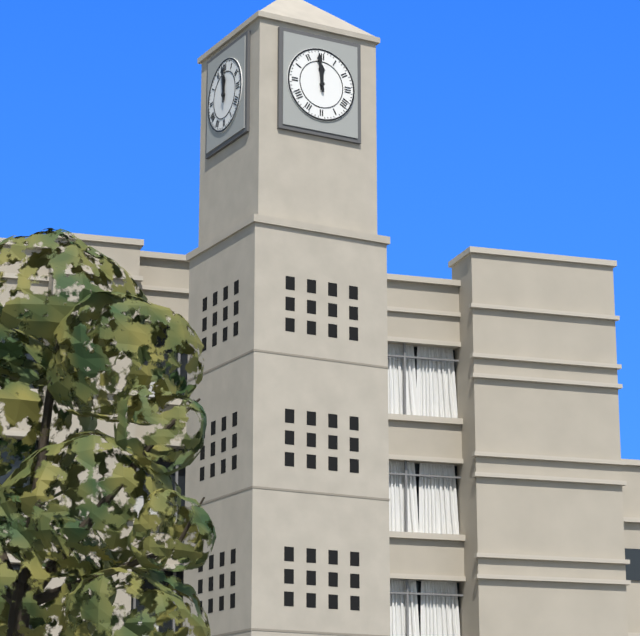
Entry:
11 h 59 min
